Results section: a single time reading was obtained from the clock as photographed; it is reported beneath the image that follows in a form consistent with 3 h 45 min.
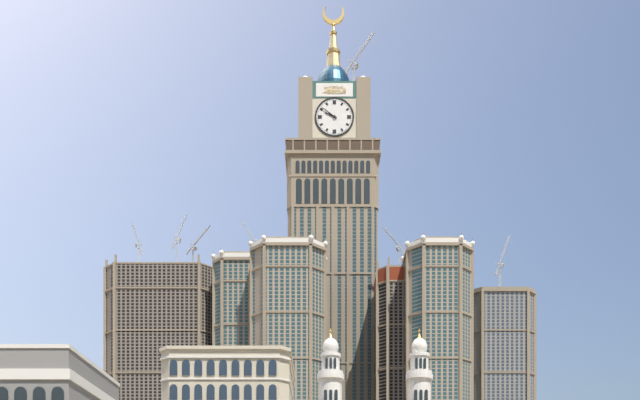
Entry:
9 h 51 min
